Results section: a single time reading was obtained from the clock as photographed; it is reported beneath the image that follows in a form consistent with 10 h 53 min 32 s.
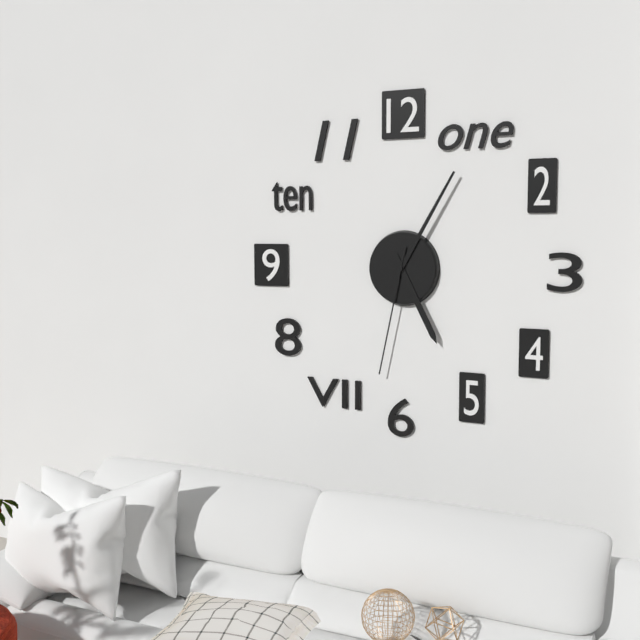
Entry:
5 h 05 min 32 s
